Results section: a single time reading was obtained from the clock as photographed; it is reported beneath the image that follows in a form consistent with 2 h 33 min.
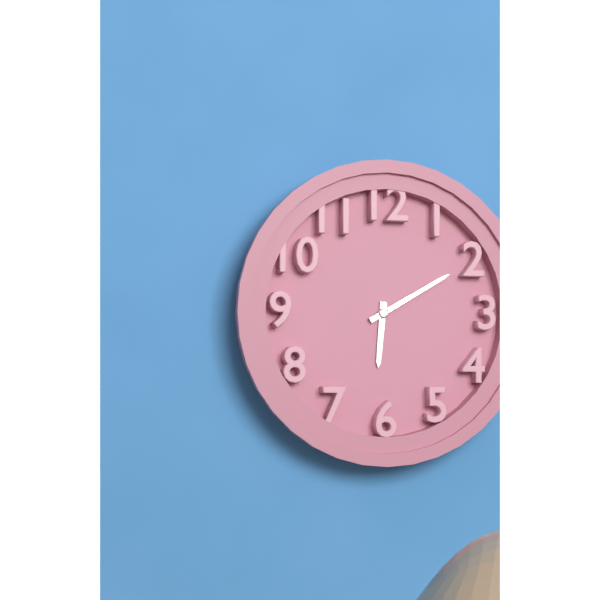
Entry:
6 h 10 min
